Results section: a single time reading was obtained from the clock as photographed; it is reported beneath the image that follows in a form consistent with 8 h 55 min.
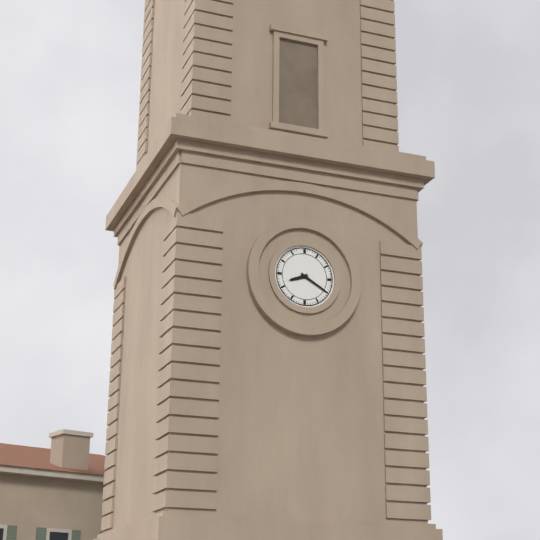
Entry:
8 h 20 min
